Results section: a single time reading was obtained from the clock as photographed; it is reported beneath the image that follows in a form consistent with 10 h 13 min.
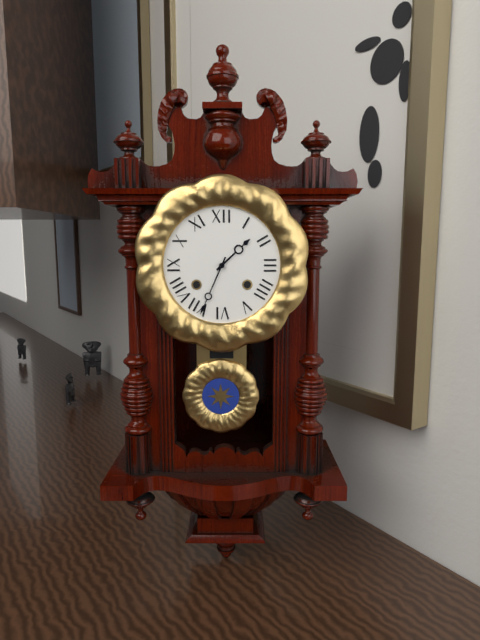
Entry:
1 h 34 min
